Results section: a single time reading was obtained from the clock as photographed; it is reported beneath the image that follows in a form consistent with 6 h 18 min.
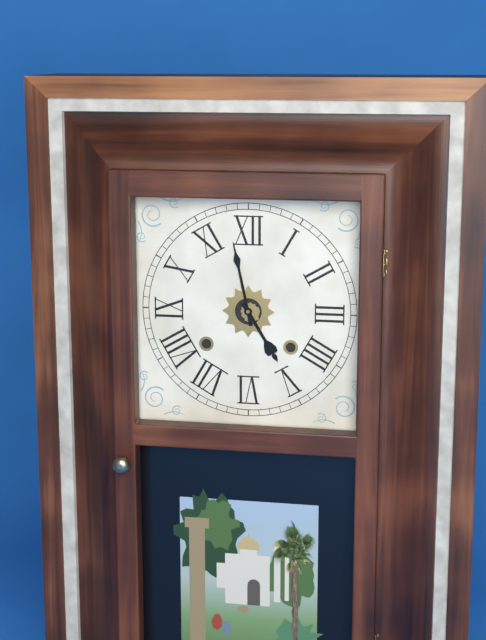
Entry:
4 h 58 min
